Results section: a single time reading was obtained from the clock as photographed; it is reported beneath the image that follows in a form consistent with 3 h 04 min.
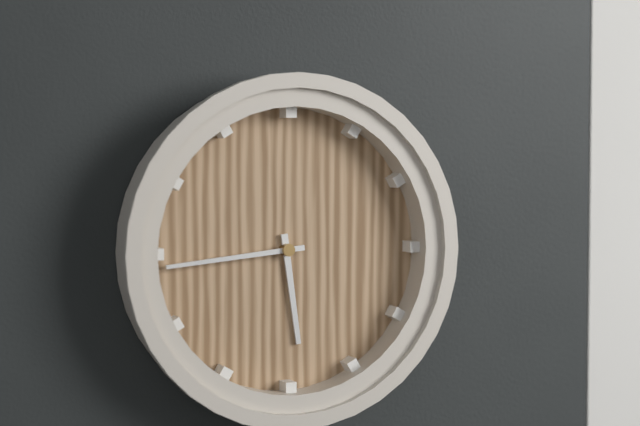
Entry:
5 h 44 min
